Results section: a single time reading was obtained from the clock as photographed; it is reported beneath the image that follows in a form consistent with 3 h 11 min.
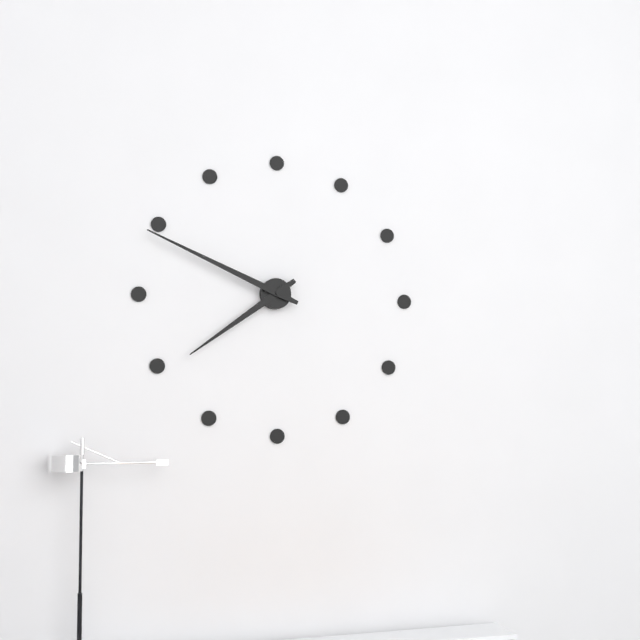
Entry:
7 h 49 min
